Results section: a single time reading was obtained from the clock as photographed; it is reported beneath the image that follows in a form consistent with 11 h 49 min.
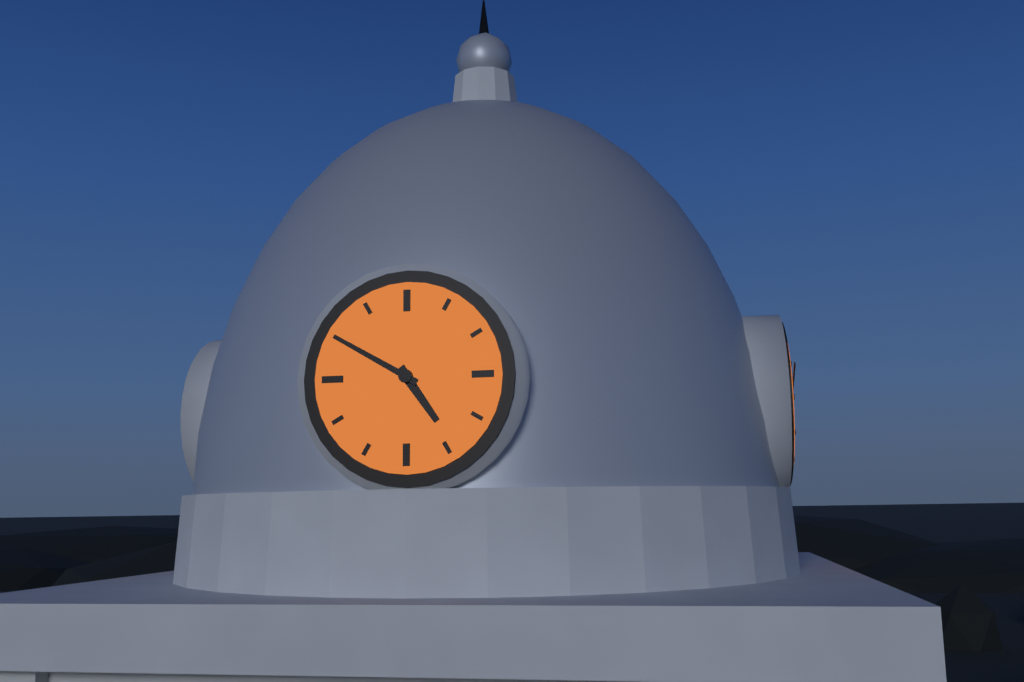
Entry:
4 h 50 min
